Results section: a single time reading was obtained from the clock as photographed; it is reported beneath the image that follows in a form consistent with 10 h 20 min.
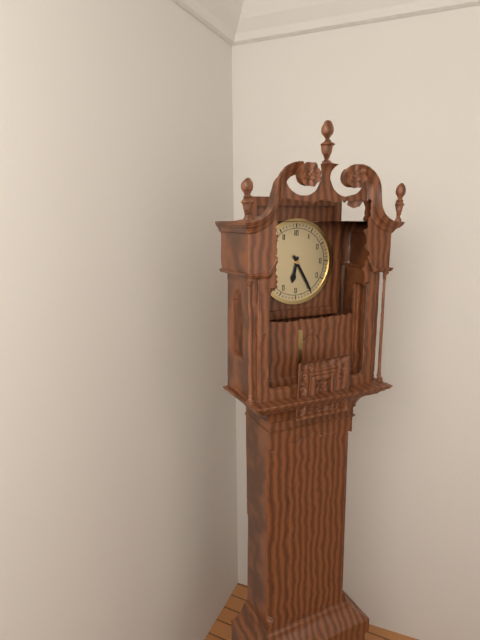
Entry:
6 h 25 min
